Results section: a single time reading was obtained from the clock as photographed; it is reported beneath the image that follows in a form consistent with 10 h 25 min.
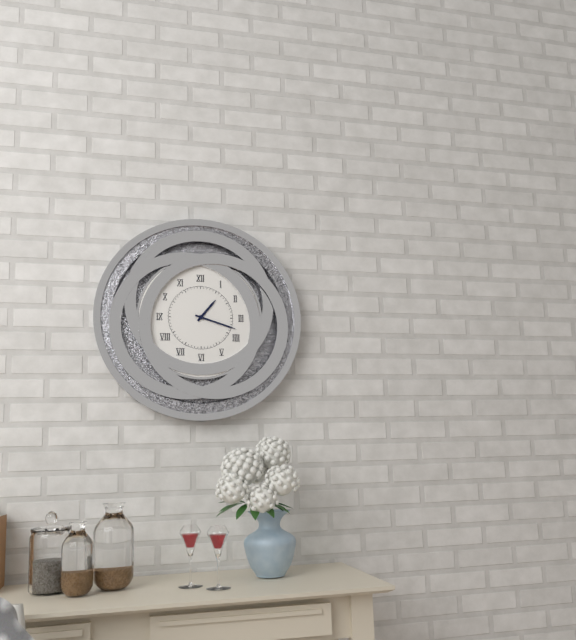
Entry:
1 h 18 min
